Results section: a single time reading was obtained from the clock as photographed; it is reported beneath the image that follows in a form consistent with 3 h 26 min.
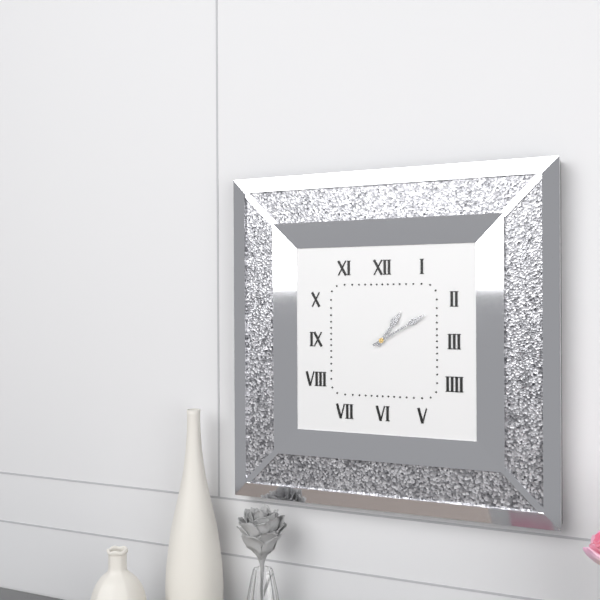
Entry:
1 h 10 min
